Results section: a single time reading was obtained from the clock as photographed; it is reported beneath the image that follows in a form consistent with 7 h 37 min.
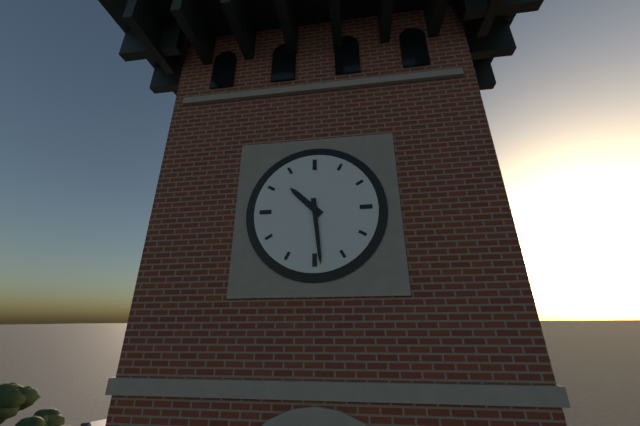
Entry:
10 h 29 min
